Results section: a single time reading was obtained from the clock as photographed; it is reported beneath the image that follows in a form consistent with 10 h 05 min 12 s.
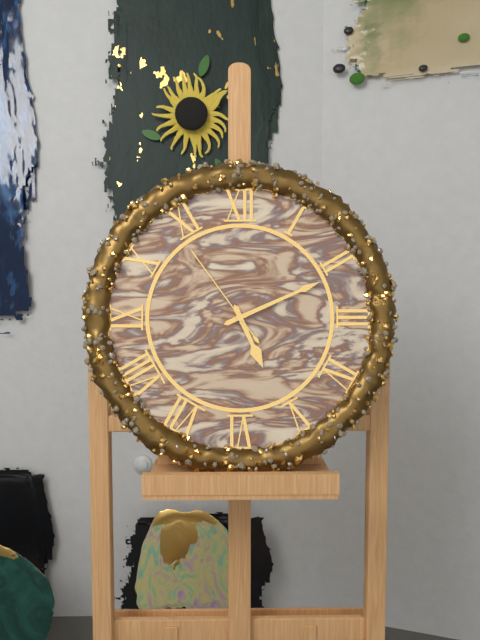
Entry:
5 h 11 min 54 s
